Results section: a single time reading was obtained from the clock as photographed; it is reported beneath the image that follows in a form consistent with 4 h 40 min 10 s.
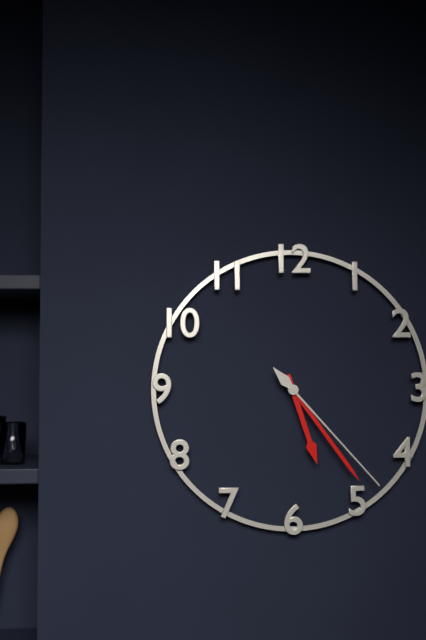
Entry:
5 h 24 min 23 s
